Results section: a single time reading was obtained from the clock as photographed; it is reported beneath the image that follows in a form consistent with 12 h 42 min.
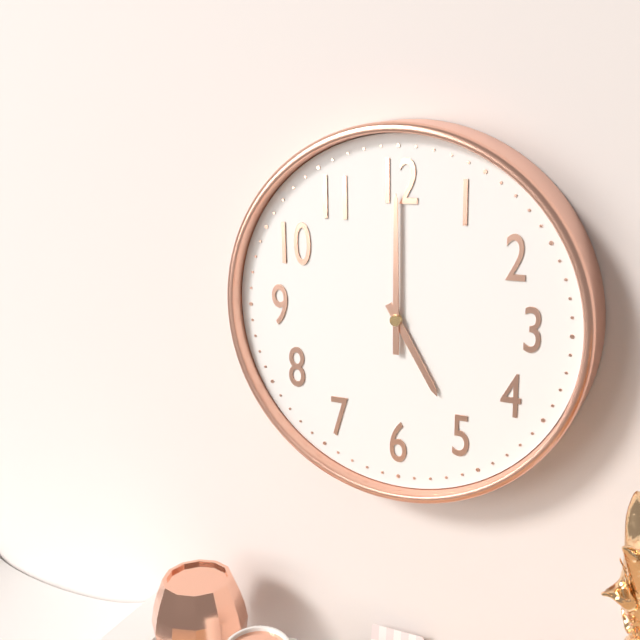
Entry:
5 h 00 min
